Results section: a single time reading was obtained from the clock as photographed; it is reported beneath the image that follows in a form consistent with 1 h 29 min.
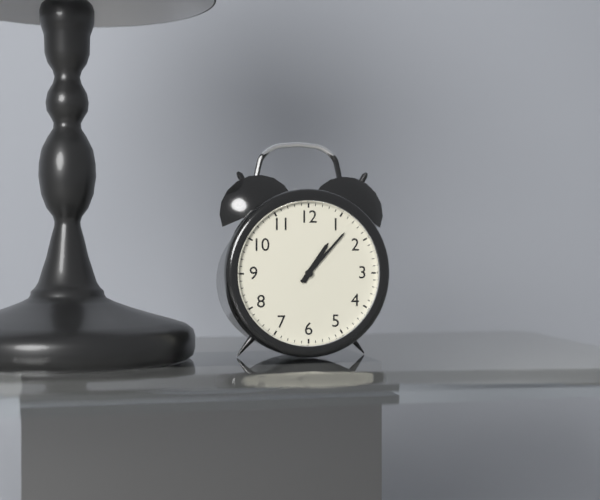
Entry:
1 h 07 min
